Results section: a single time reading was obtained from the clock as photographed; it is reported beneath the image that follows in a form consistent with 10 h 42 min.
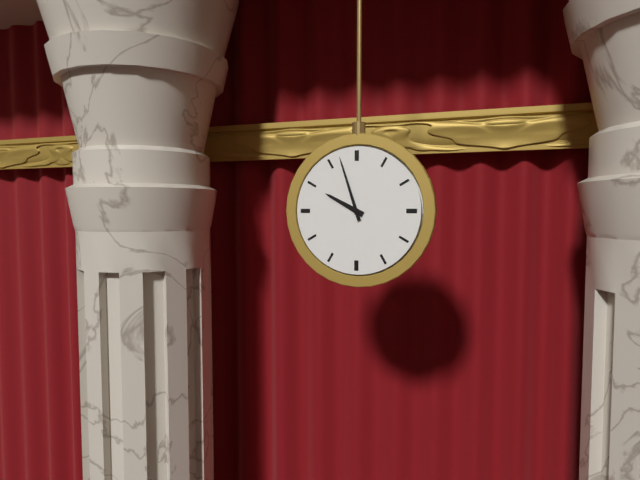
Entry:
9 h 57 min
